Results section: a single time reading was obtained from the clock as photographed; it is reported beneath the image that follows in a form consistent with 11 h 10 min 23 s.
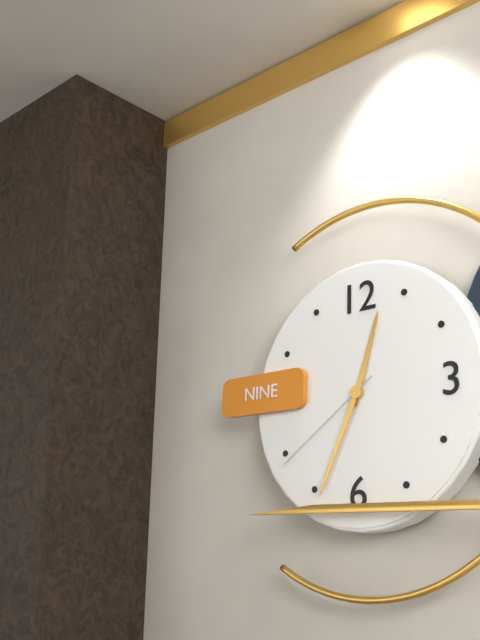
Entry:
12 h 34 min 39 s
